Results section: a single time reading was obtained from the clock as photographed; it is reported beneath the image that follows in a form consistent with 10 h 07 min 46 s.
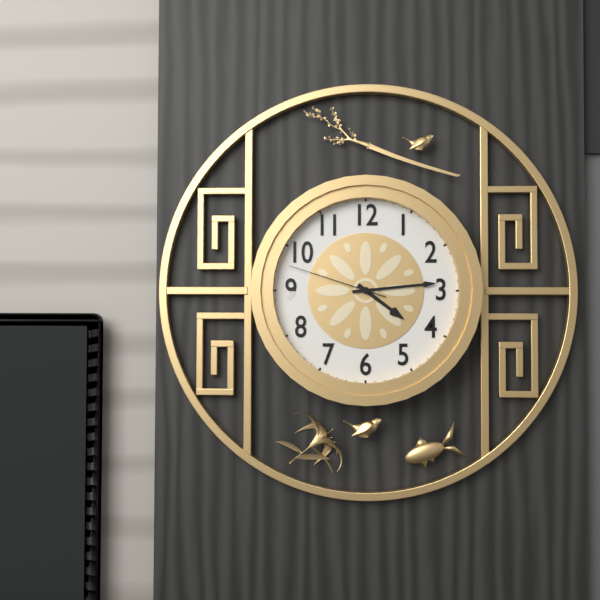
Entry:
4 h 14 min 48 s
